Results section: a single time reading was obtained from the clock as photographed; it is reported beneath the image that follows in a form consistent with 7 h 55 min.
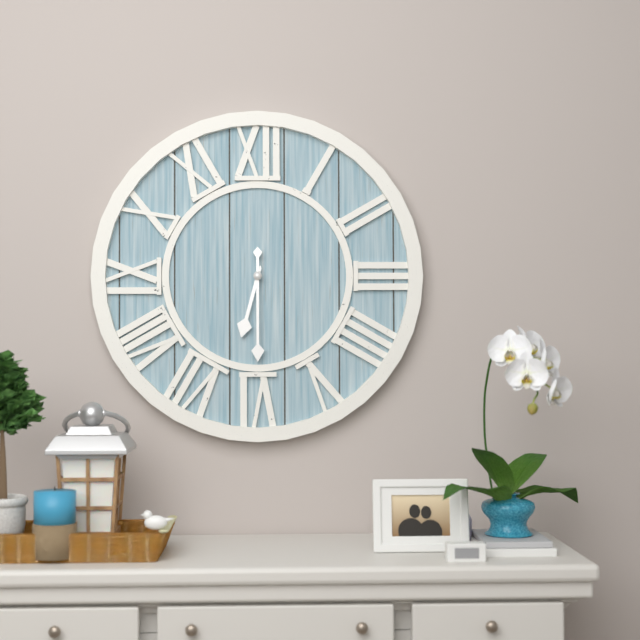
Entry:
6 h 30 min
